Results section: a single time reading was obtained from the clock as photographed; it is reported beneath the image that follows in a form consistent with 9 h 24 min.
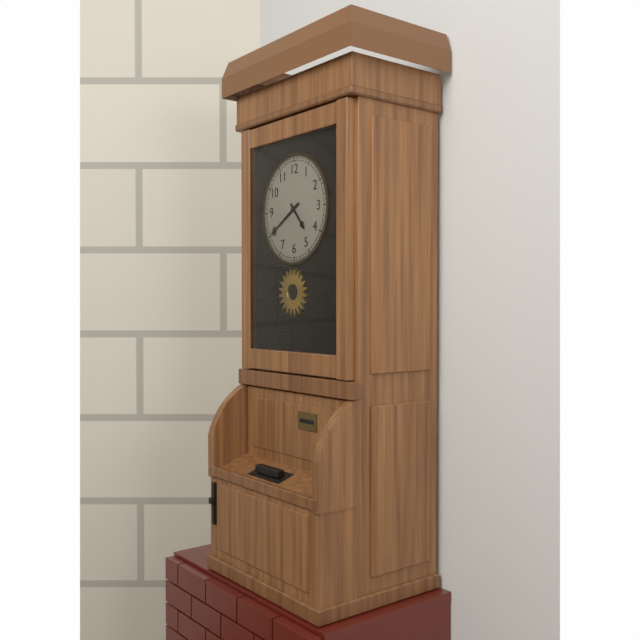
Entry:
4 h 40 min
